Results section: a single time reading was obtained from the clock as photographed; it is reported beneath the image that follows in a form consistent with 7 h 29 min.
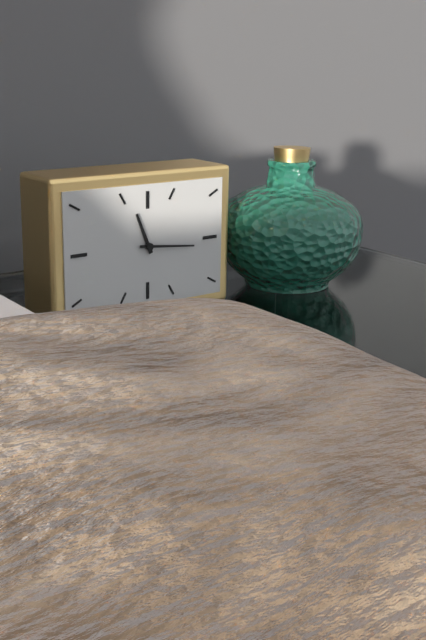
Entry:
11 h 16 min
